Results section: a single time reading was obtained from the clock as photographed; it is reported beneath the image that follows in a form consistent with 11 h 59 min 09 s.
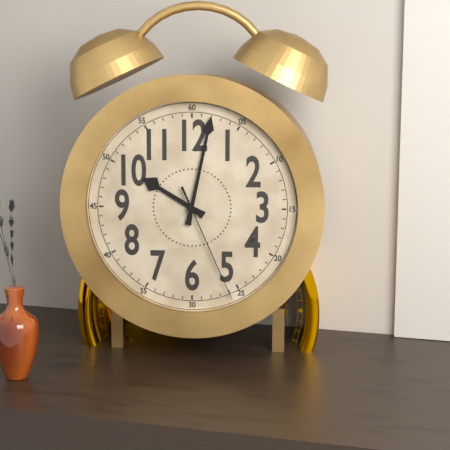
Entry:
10 h 02 min 26 s
